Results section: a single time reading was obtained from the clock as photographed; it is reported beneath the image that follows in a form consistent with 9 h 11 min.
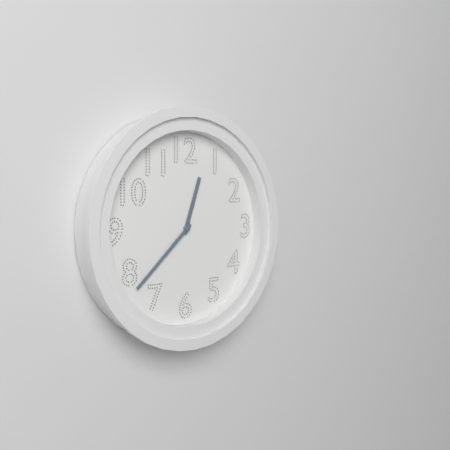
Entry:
12 h 38 min
